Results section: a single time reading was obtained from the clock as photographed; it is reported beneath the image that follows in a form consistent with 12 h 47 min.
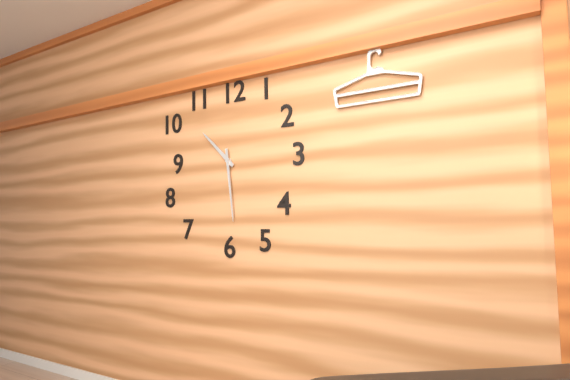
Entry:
10 h 29 min
